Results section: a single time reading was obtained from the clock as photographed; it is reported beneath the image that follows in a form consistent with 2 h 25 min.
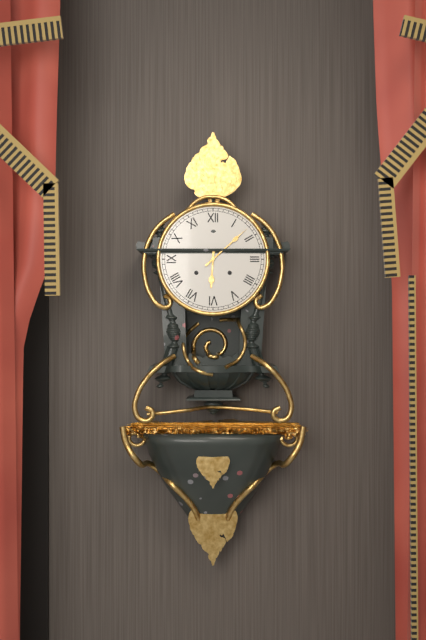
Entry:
6 h 08 min
